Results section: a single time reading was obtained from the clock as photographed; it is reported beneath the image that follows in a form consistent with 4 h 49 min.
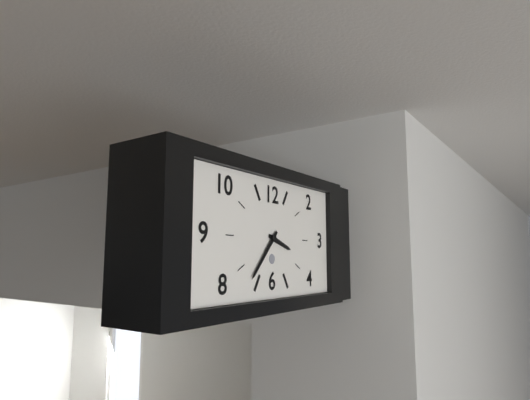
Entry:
3 h 37 min
